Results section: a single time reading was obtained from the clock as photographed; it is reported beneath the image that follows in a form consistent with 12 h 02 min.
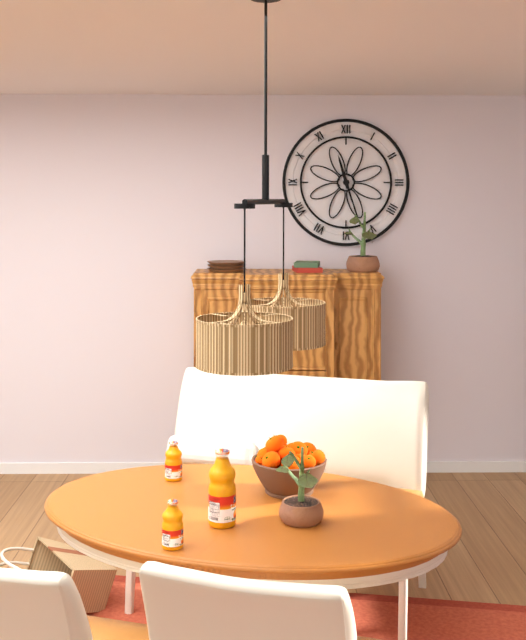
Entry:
11 h 27 min
